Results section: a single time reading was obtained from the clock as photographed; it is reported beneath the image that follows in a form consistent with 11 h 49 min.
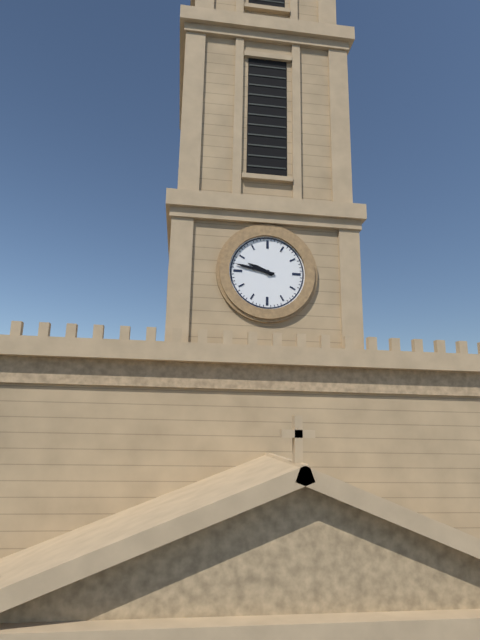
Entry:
9 h 47 min
